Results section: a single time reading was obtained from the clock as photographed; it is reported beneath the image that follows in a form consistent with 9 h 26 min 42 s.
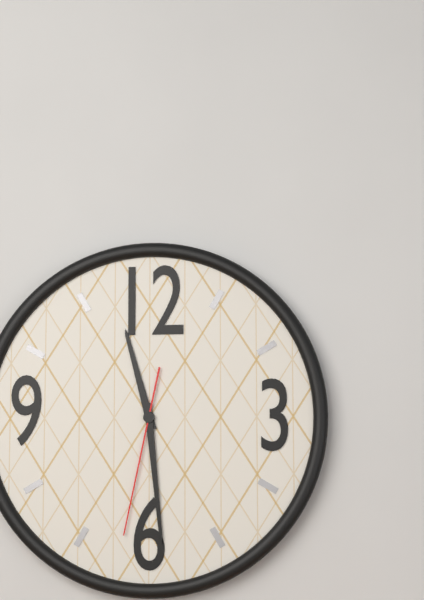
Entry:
11 h 29 min 32 s
